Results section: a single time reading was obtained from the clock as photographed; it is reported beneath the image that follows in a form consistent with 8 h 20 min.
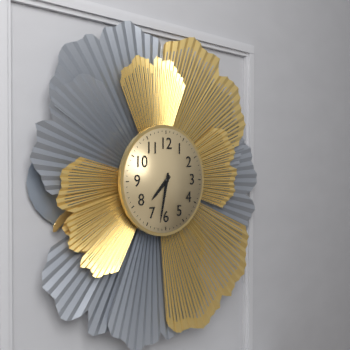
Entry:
7 h 32 min
